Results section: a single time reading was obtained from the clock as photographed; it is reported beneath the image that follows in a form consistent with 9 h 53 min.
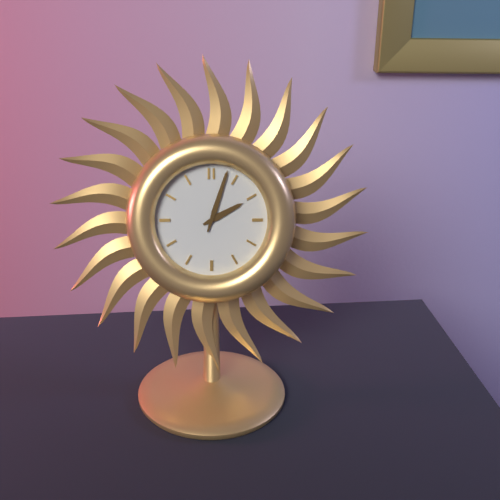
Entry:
2 h 03 min
